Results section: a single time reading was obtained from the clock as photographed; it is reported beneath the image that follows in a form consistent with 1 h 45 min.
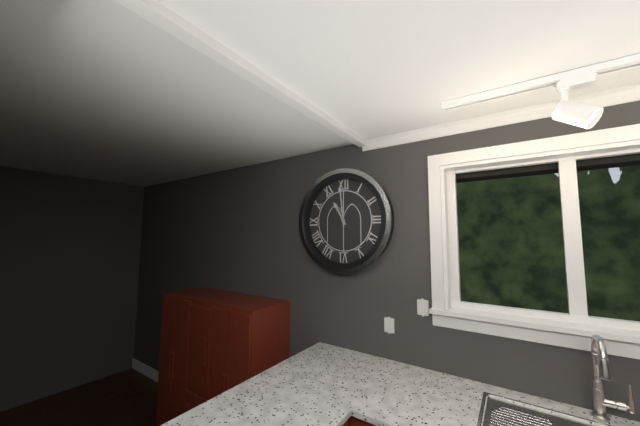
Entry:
10 h 59 min
